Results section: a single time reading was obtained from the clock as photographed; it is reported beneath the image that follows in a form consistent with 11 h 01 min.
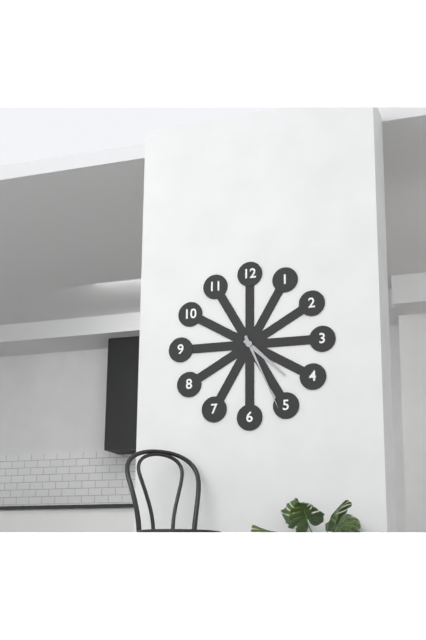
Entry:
4 h 26 min
